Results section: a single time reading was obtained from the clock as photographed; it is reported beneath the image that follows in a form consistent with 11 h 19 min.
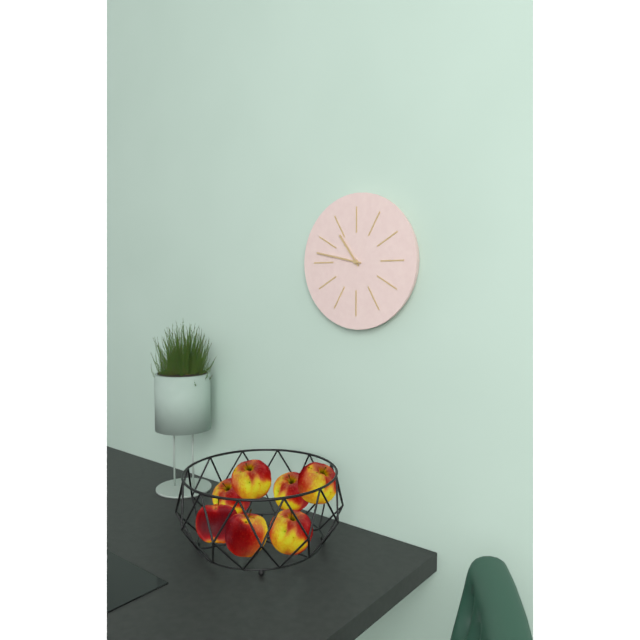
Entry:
10 h 47 min
